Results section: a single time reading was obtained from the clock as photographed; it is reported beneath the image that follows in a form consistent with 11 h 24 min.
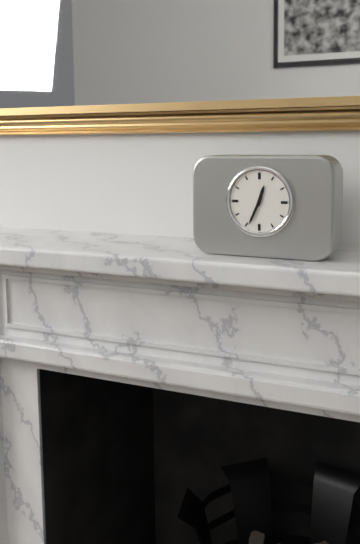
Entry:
12 h 34 min
